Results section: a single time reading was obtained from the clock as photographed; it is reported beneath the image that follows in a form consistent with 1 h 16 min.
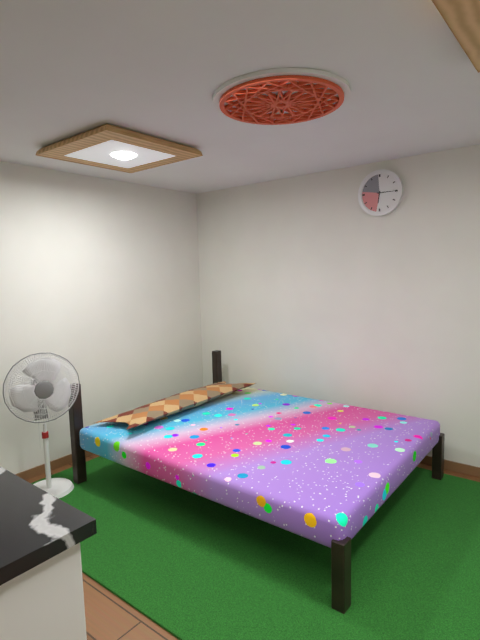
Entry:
6 h 15 min
